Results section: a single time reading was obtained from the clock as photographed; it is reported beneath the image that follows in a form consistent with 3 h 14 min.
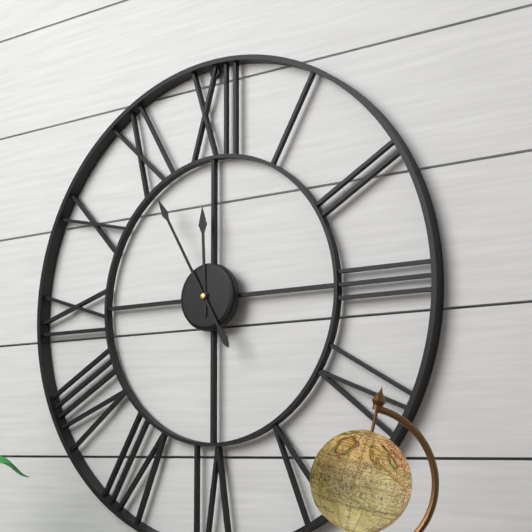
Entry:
11 h 55 min
